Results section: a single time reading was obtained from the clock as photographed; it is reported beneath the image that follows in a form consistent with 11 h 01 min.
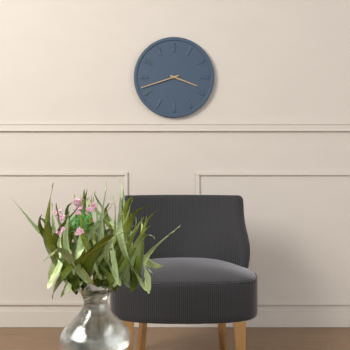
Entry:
3 h 42 min
